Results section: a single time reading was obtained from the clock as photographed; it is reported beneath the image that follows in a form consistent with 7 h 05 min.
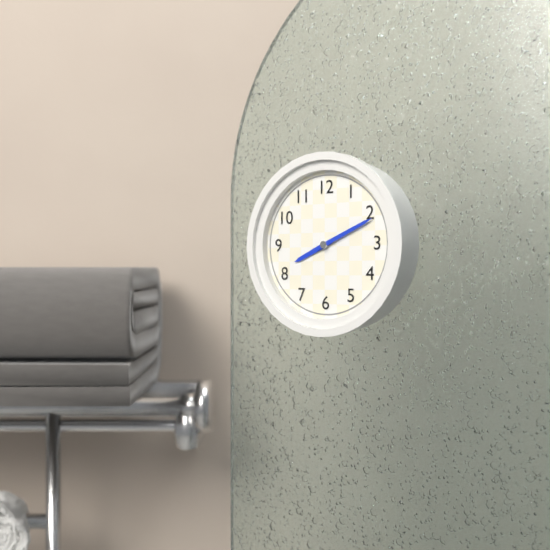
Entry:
8 h 11 min
